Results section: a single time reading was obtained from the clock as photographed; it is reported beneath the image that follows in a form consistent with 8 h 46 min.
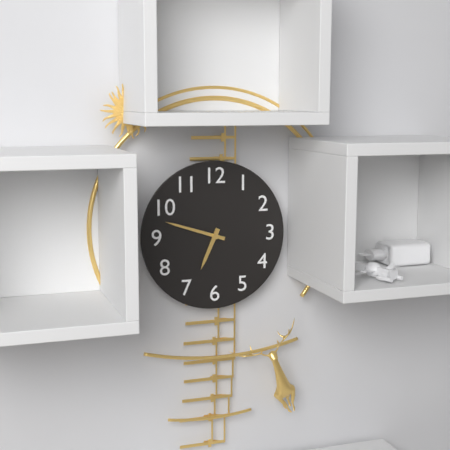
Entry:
6 h 48 min
